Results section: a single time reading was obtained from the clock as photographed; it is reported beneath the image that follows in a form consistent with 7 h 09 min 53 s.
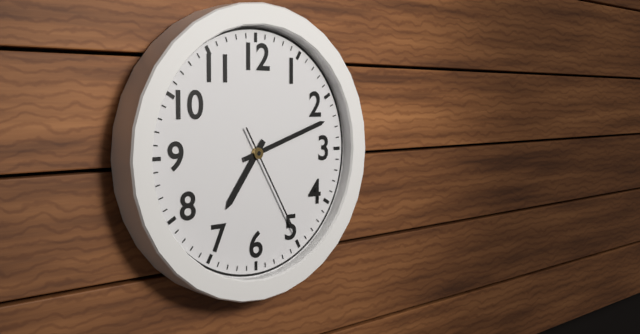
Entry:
7 h 12 min 25 s
